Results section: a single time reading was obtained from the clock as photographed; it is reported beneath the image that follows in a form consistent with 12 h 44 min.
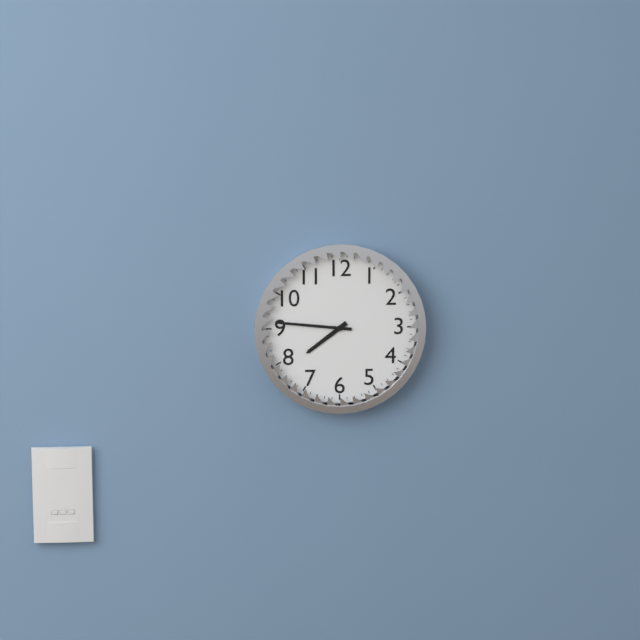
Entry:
7 h 46 min
